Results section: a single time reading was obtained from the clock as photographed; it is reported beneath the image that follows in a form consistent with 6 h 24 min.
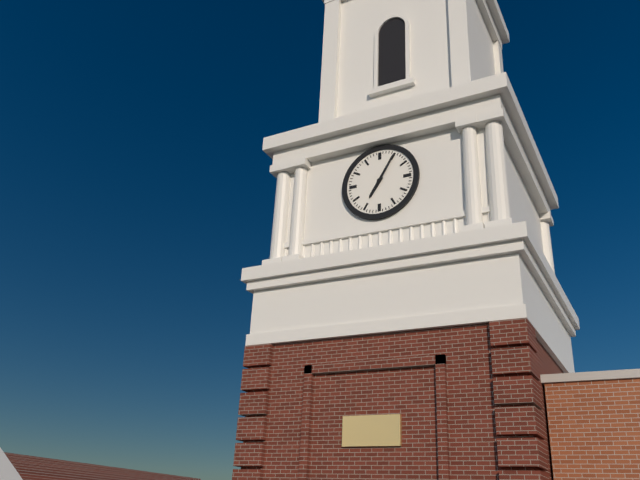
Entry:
7 h 05 min
